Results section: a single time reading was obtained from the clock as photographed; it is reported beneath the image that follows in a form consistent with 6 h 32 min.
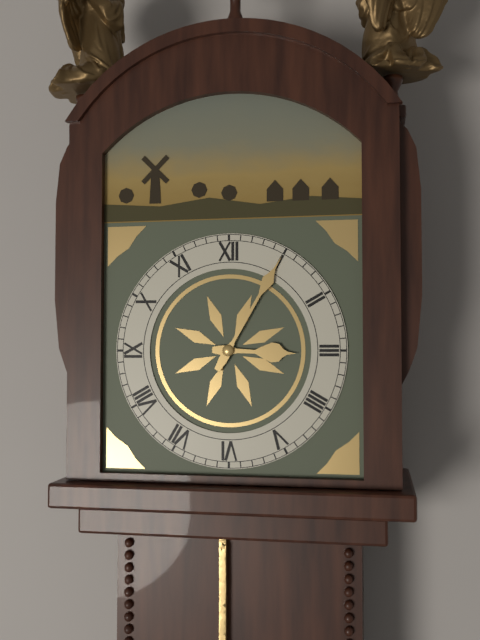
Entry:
3 h 05 min
